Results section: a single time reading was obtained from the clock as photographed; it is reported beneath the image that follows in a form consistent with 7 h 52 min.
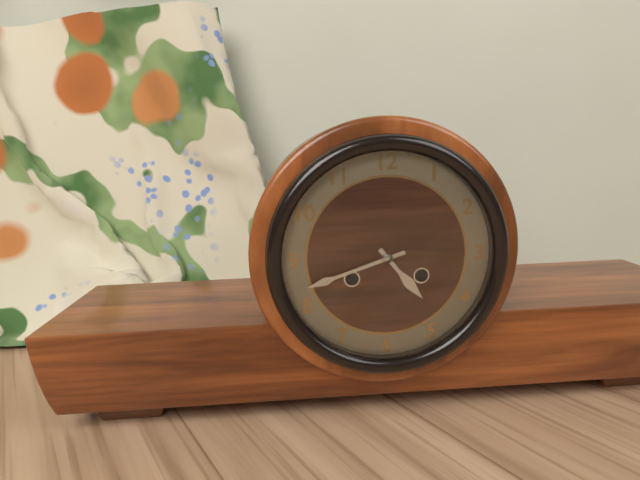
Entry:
4 h 42 min
